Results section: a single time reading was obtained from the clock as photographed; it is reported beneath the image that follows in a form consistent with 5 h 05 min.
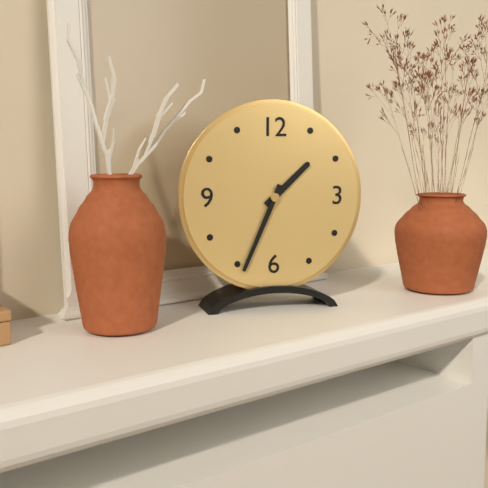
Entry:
1 h 34 min
